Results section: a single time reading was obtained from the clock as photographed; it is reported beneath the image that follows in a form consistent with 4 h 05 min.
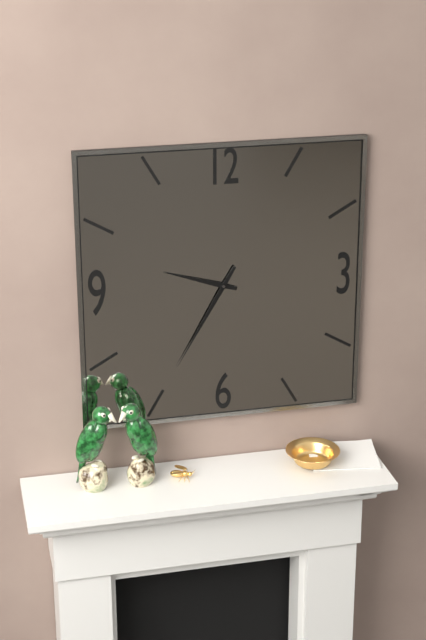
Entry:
9 h 35 min
